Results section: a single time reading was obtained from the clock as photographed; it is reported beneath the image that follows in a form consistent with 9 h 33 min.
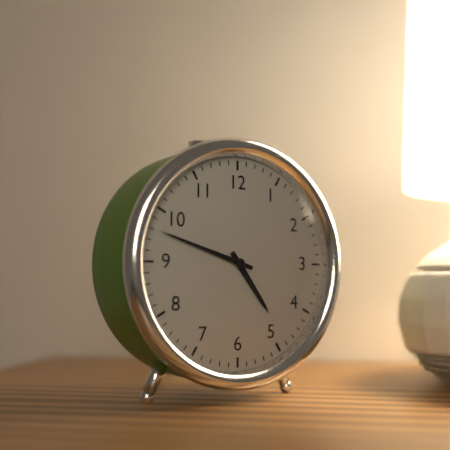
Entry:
4 h 48 min
